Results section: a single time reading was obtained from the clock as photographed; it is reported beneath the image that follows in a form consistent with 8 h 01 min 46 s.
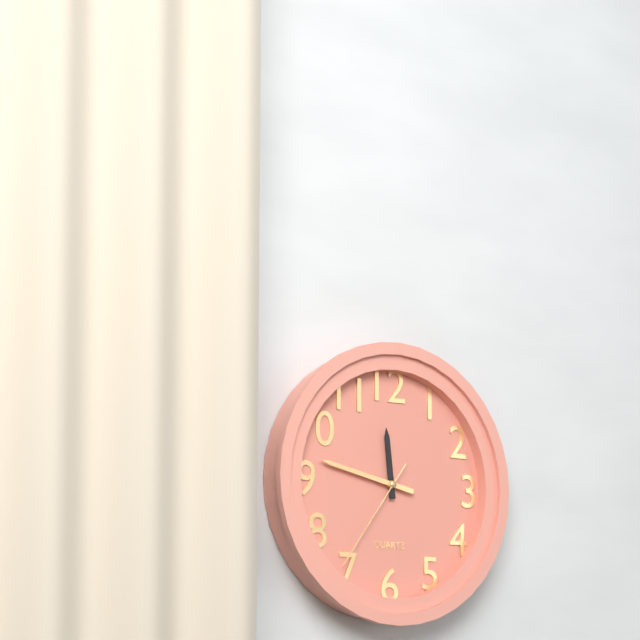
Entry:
11 h 47 min 36 s
